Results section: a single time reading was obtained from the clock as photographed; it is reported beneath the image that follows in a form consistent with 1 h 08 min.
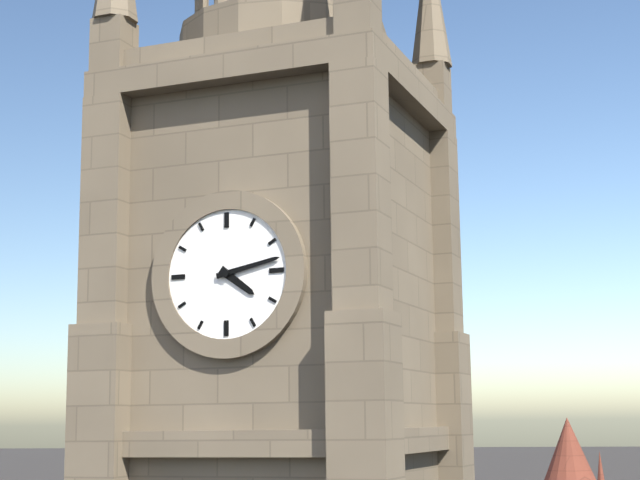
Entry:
4 h 13 min
